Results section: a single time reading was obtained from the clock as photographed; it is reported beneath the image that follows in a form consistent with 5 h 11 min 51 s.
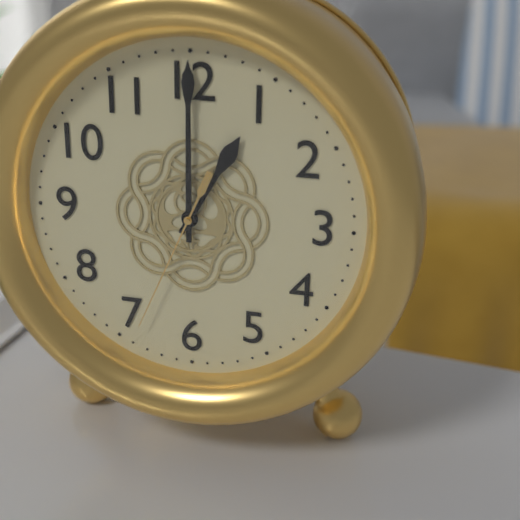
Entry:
1 h 00 min 34 s
